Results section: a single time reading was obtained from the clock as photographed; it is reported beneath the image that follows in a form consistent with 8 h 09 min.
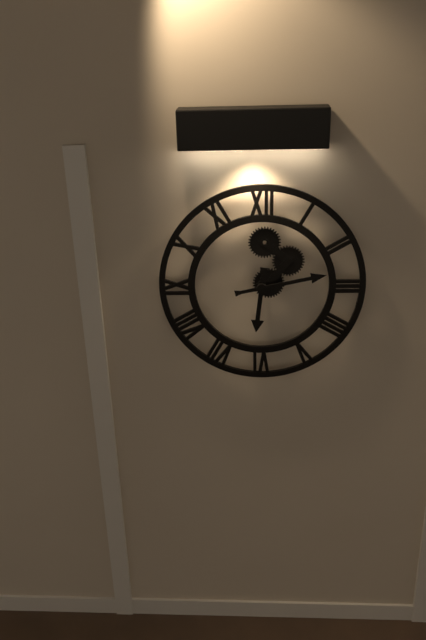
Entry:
6 h 13 min
